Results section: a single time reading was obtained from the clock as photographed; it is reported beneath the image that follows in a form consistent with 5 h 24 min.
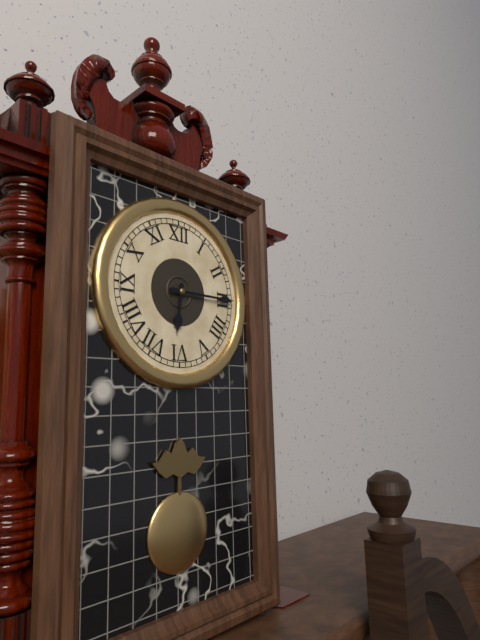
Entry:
6 h 15 min
